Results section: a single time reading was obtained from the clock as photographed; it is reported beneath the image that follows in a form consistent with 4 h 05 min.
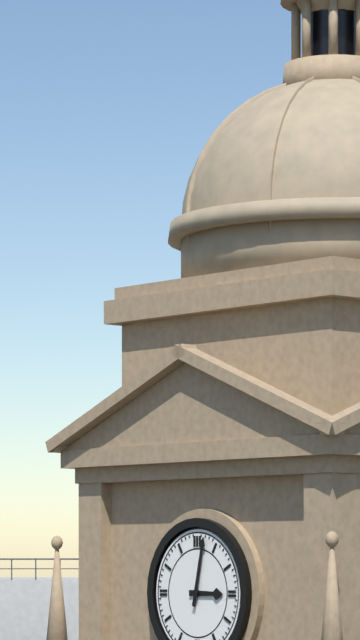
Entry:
3 h 02 min
